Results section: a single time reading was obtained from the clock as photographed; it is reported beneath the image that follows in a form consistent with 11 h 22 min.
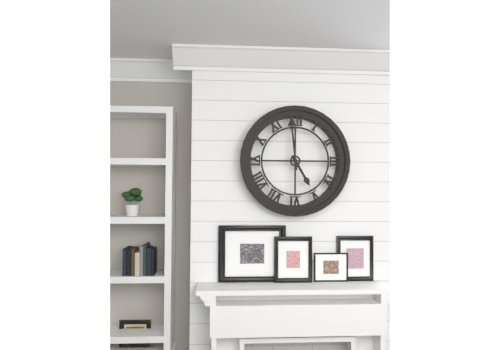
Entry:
4 h 59 min
